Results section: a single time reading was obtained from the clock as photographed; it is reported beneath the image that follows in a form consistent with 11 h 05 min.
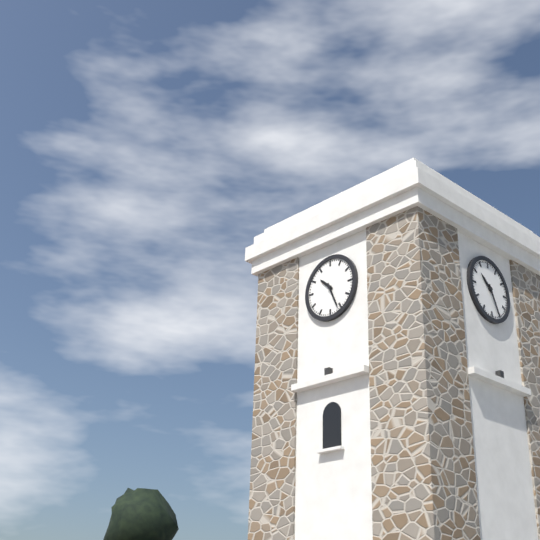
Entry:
10 h 26 min
